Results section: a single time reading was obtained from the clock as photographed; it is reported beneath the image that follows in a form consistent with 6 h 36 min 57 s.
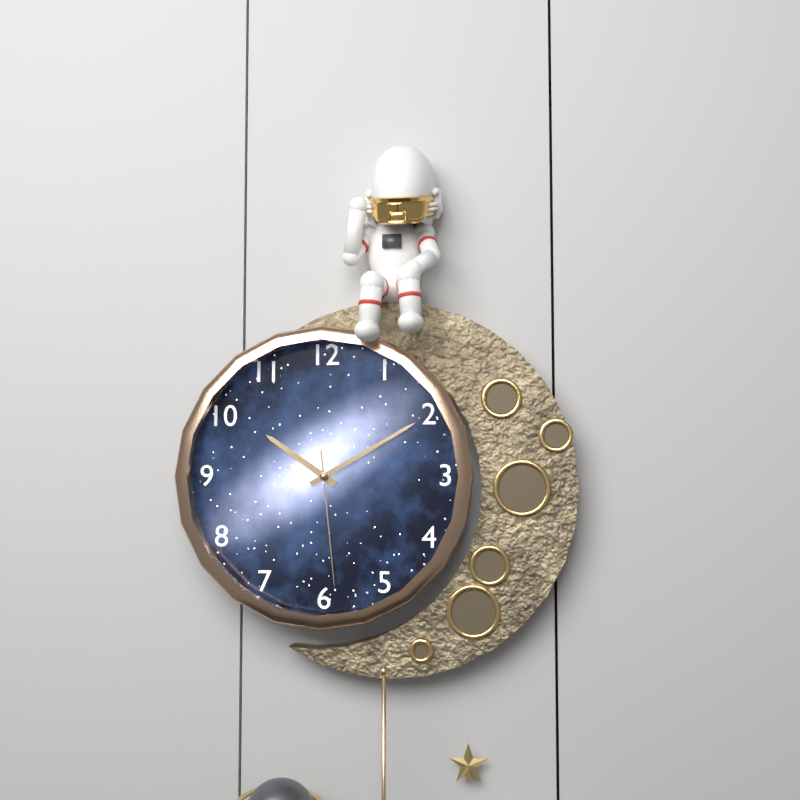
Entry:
10 h 10 min 29 s
